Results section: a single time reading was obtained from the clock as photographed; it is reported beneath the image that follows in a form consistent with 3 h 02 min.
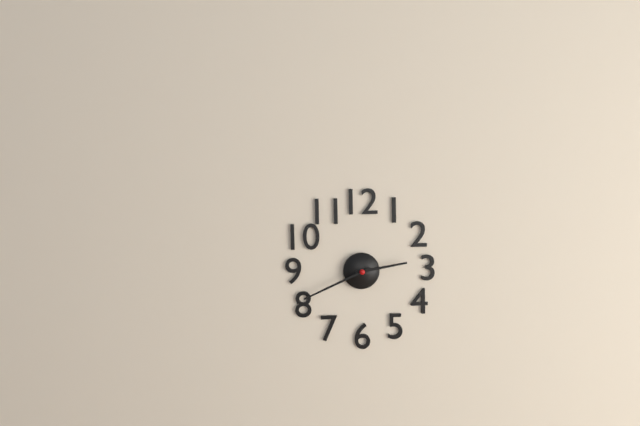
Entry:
2 h 41 min
